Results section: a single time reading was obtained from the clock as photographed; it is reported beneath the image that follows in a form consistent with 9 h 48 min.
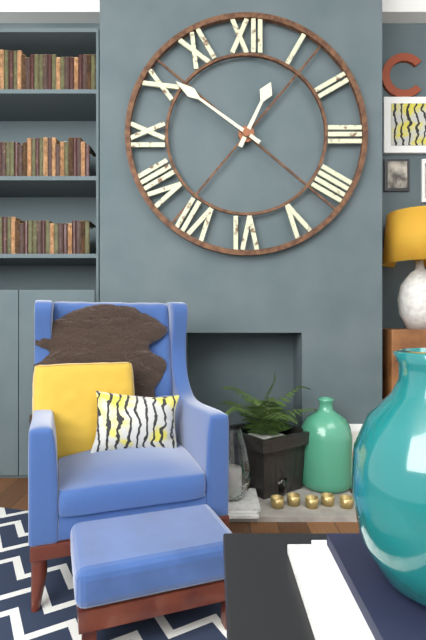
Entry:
12 h 51 min
